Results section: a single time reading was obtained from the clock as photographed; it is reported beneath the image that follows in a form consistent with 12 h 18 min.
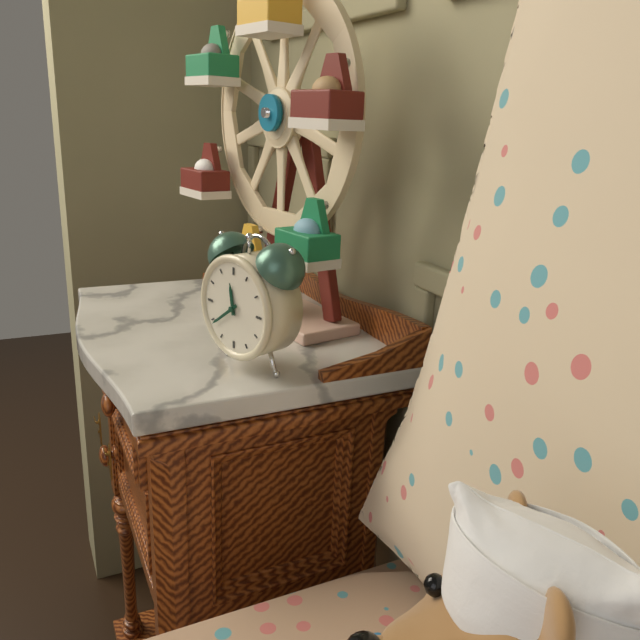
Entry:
11 h 39 min
